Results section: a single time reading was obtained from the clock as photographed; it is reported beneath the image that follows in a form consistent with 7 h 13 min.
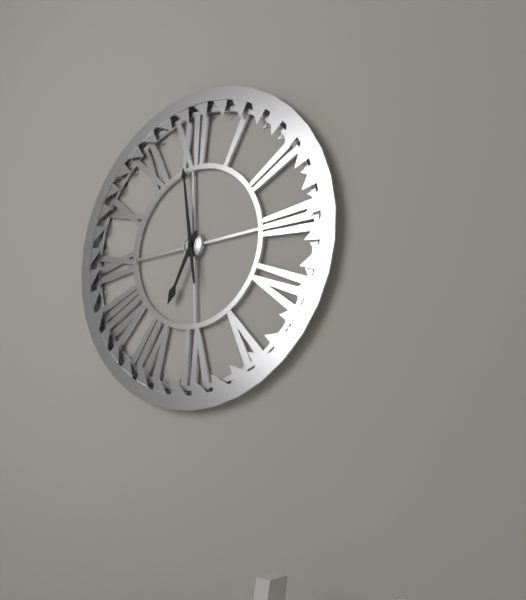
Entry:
6 h 59 min
